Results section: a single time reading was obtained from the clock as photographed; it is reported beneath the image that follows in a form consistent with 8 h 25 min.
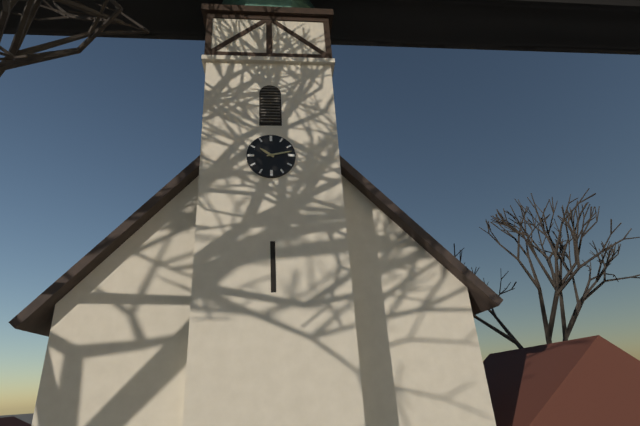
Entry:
10 h 13 min
